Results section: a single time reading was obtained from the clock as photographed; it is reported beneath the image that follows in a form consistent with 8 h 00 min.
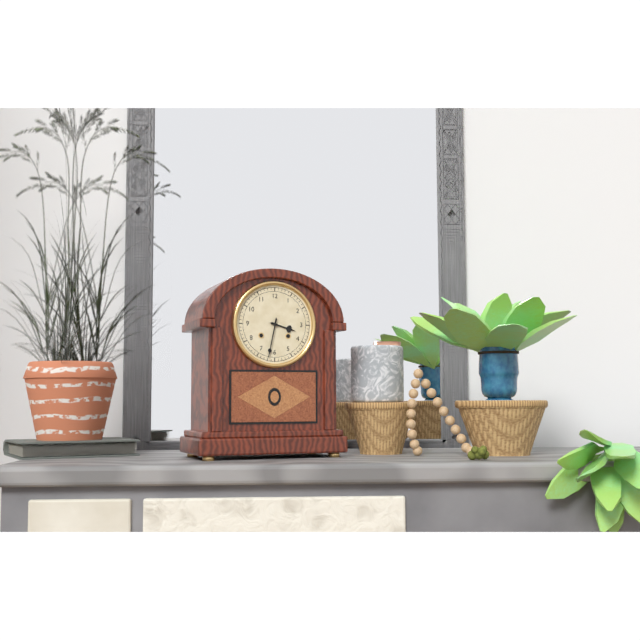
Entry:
3 h 32 min
